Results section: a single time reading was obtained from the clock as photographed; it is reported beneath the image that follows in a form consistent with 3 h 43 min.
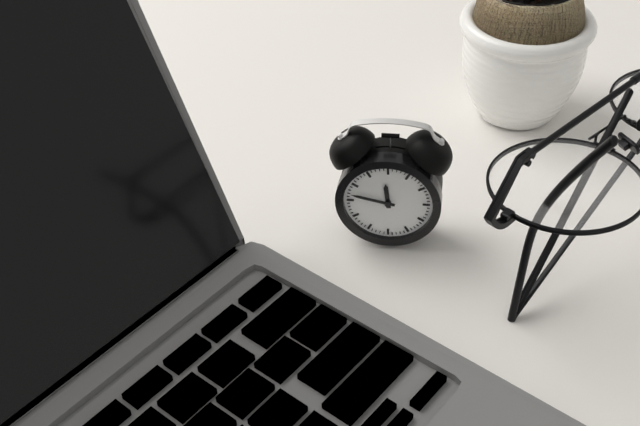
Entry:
11 h 47 min
